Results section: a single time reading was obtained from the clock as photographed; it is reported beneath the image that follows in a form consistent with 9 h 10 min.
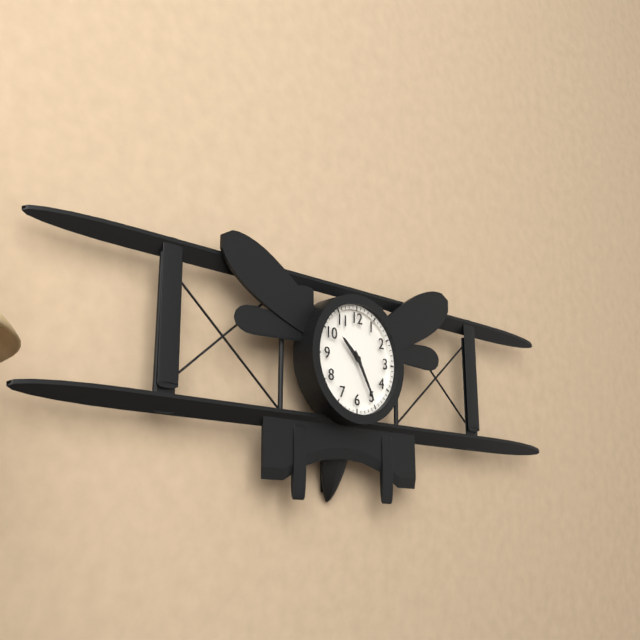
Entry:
10 h 25 min
